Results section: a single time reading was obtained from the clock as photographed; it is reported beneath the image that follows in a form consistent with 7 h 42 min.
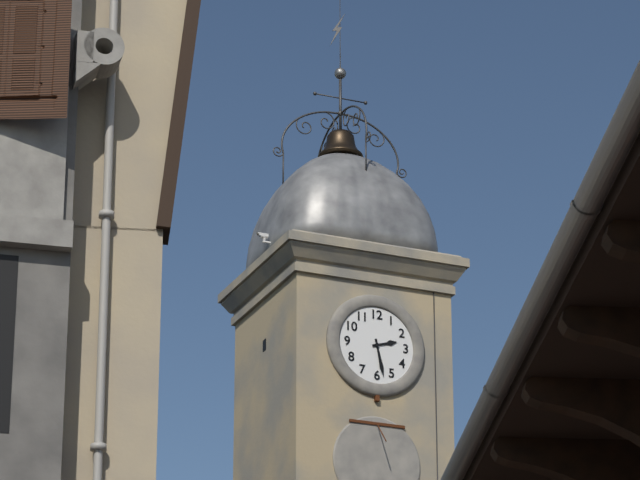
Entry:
2 h 28 min
